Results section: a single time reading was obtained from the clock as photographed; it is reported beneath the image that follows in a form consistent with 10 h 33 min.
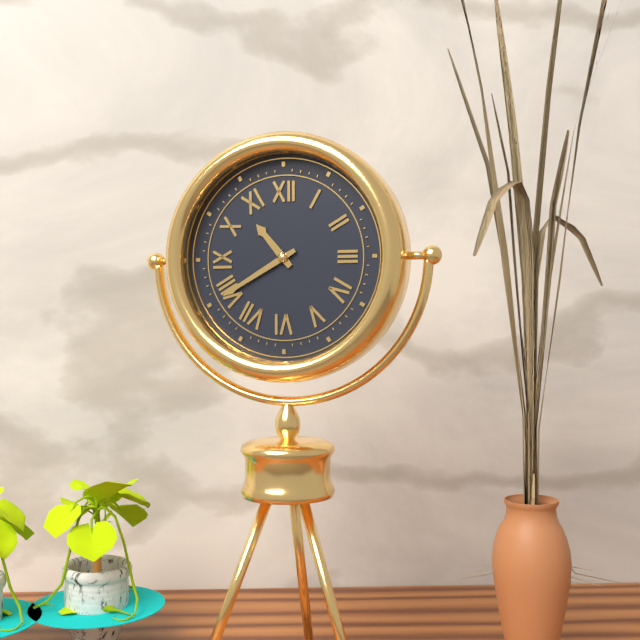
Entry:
10 h 40 min
